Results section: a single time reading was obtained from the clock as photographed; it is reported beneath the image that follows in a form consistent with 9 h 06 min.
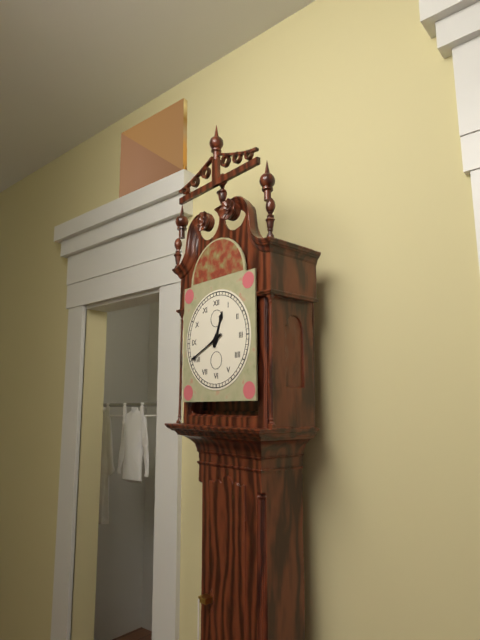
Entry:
12 h 41 min
